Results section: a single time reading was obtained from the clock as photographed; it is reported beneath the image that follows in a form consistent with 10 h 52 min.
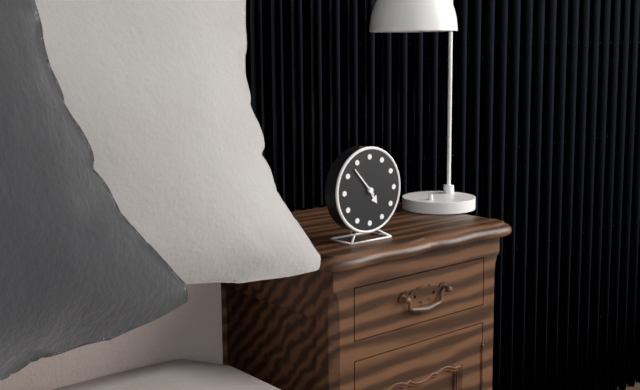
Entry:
4 h 53 min
